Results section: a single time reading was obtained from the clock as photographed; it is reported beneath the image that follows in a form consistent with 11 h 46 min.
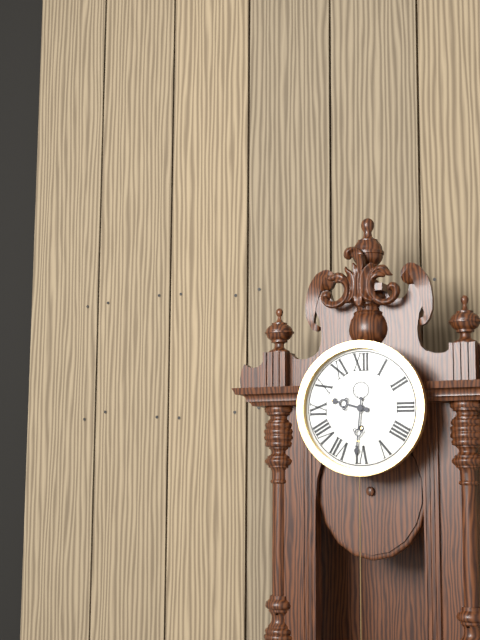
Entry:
9 h 31 min
